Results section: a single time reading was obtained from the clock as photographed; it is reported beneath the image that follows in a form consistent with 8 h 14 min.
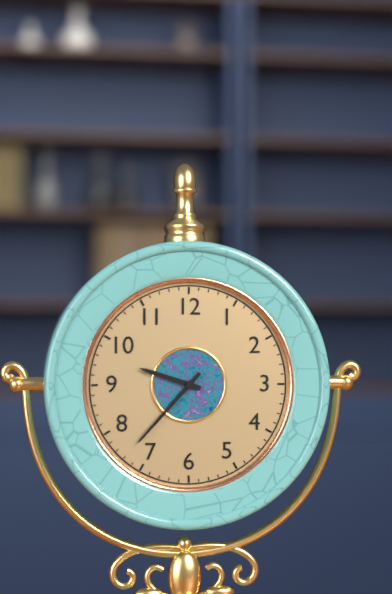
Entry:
9 h 37 min
